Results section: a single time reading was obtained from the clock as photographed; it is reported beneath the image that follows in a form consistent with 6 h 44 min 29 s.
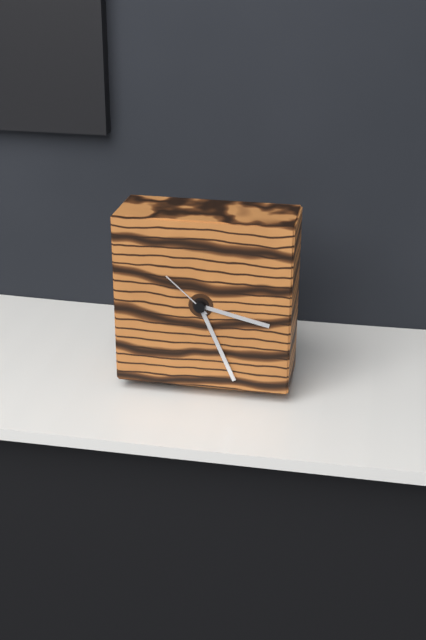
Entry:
3 h 26 min 52 s
